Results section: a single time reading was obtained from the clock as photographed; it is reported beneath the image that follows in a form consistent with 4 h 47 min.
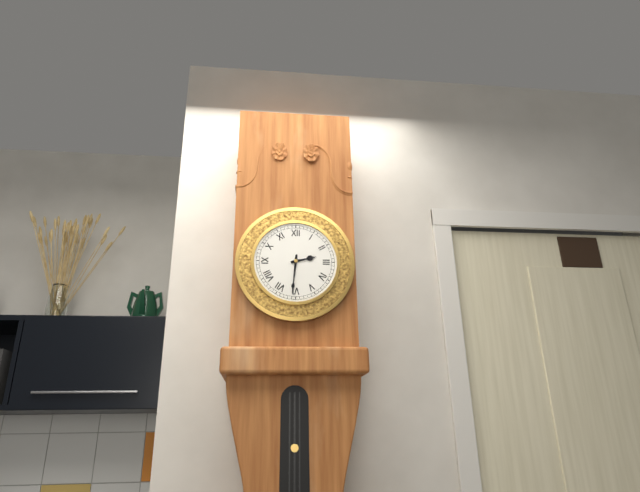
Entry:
2 h 31 min
